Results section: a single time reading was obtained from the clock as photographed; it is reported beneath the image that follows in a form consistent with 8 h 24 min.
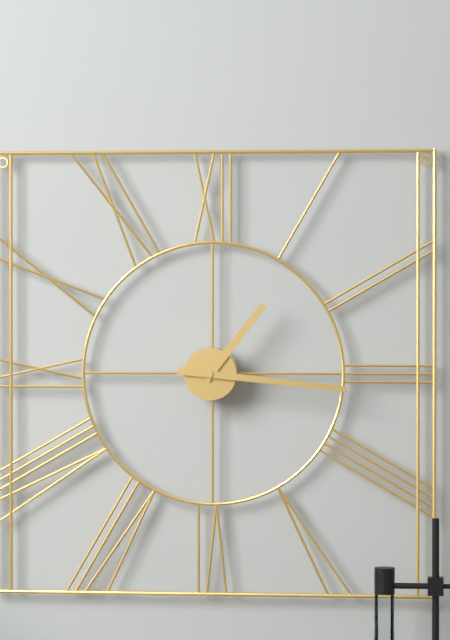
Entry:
1 h 16 min
